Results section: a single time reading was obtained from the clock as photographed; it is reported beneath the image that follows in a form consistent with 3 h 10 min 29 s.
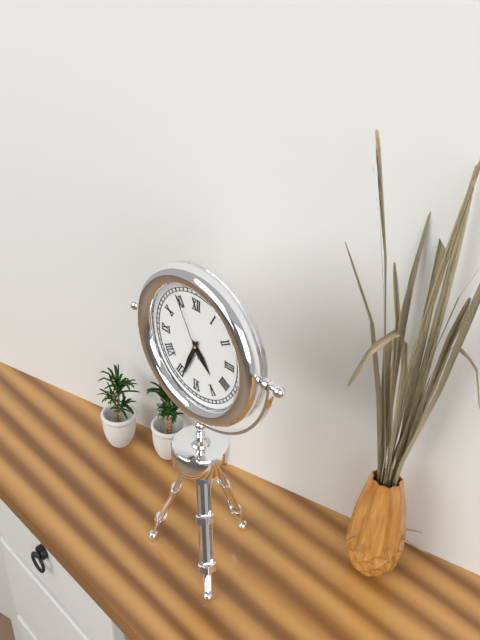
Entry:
4 h 34 min 55 s
